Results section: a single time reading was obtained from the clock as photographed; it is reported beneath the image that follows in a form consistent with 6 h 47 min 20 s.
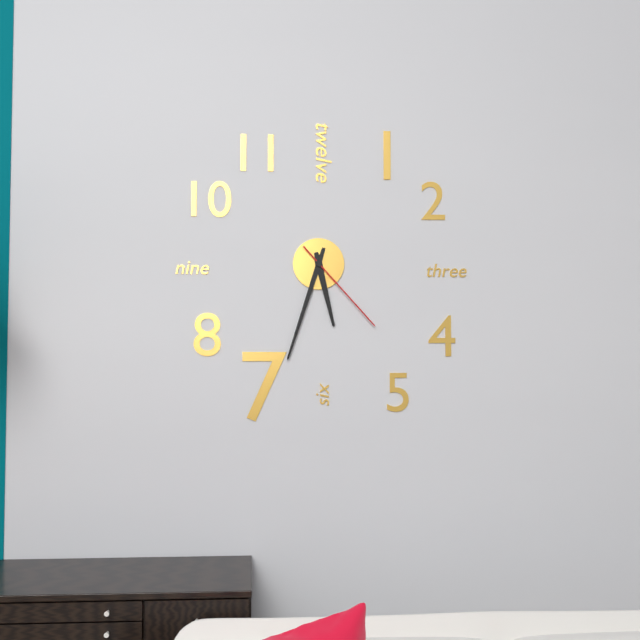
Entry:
5 h 33 min 23 s
